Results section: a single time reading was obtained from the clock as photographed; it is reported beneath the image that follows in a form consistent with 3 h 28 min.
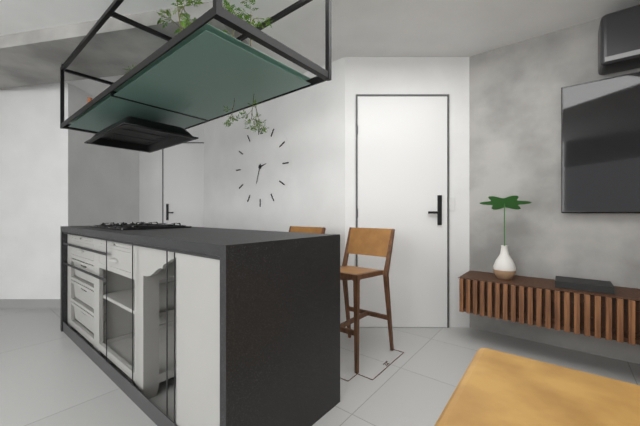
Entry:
2 h 33 min
